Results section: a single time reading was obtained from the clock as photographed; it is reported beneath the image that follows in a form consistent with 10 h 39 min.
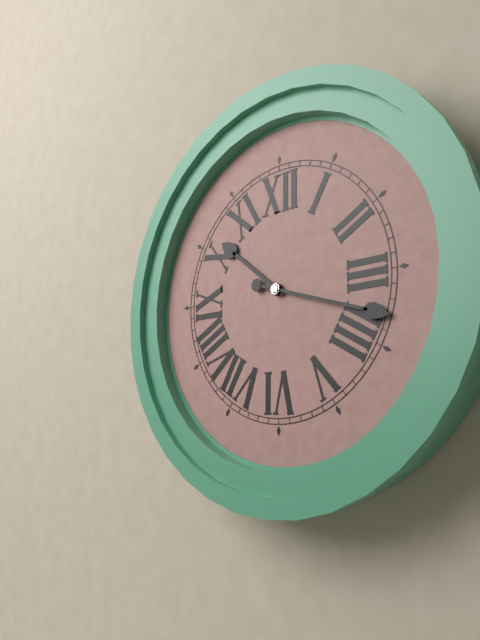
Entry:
10 h 18 min
